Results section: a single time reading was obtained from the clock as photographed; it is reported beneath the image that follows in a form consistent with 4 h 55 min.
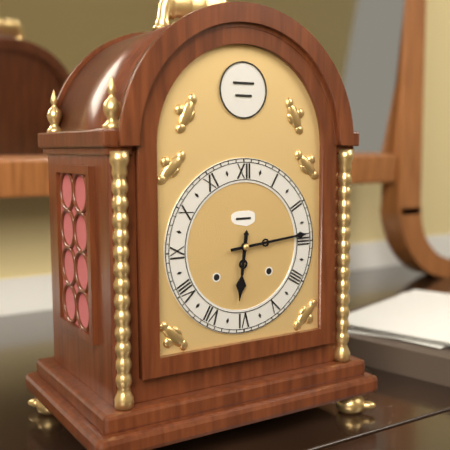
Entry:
6 h 14 min
